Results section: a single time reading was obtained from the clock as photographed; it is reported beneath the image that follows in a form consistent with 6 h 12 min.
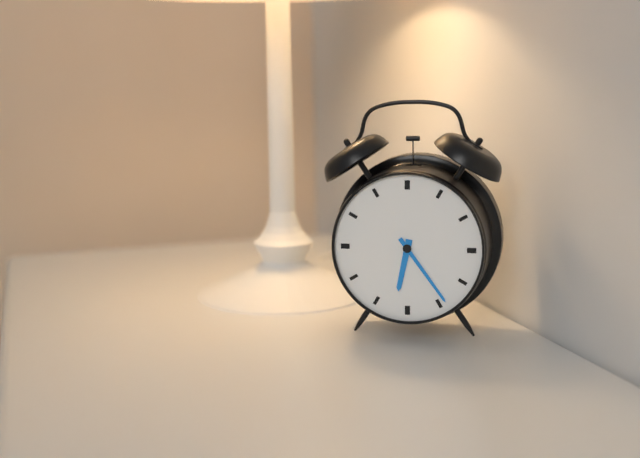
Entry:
6 h 24 min
